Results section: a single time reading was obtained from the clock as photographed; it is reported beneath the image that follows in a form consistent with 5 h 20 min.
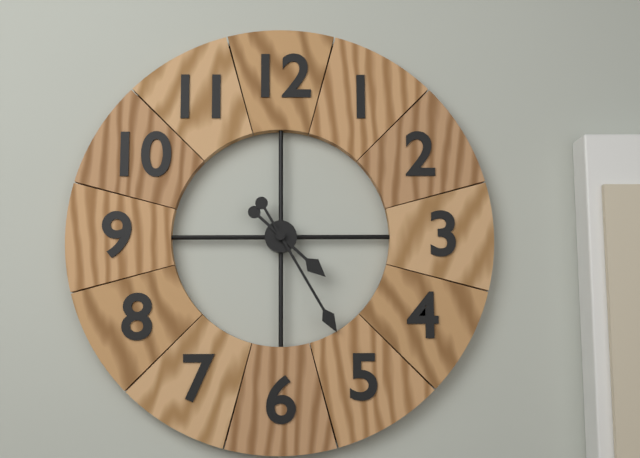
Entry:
4 h 25 min
